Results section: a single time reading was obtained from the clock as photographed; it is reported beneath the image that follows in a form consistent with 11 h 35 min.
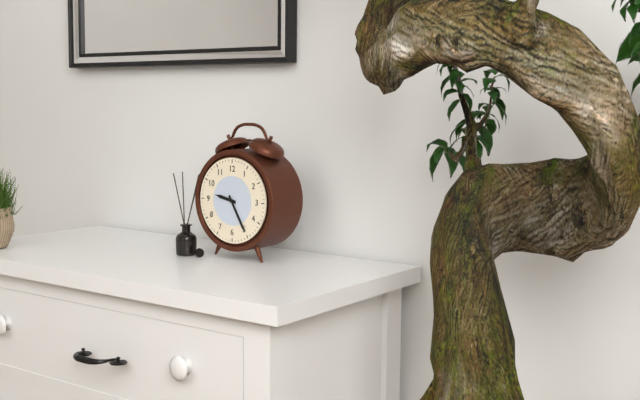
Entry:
9 h 25 min
